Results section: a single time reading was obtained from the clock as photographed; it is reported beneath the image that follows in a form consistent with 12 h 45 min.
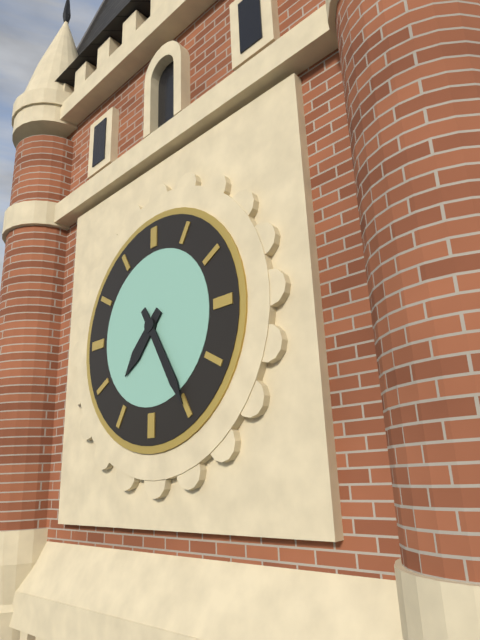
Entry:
7 h 25 min
